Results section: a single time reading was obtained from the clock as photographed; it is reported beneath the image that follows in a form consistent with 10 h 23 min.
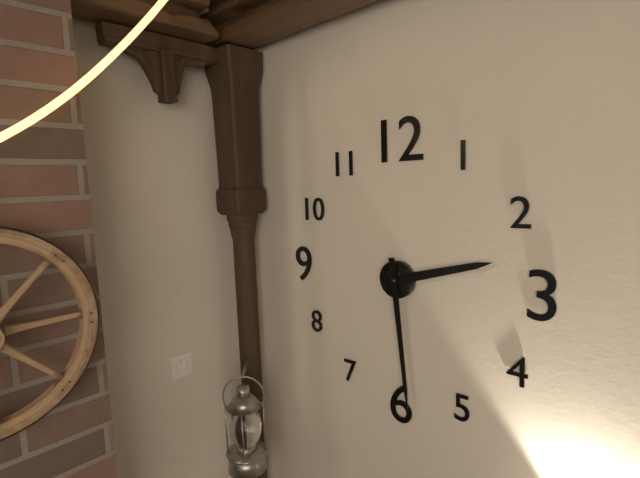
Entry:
2 h 29 min
